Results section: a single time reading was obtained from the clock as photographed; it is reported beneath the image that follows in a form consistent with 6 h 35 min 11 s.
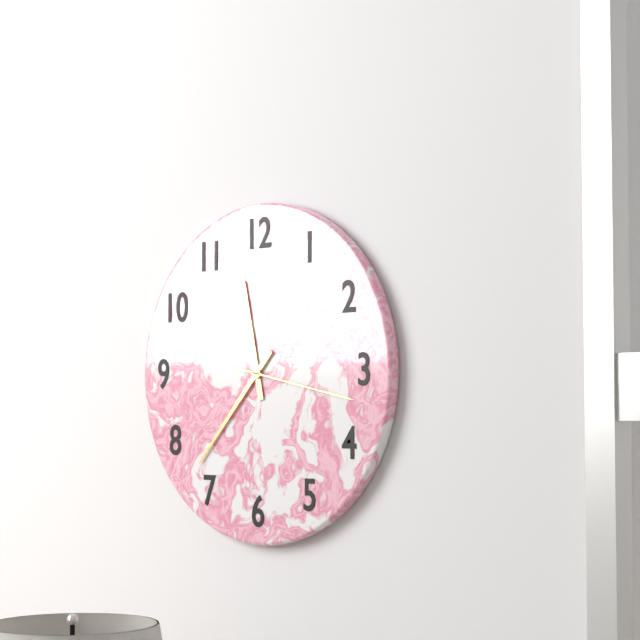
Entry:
11 h 37 min 17 s
